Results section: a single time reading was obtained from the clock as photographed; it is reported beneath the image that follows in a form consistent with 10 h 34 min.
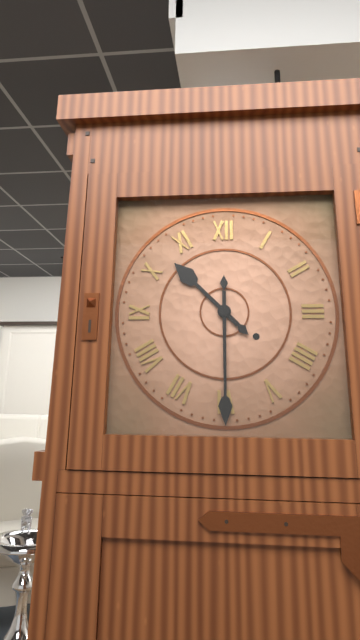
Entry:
10 h 30 min
